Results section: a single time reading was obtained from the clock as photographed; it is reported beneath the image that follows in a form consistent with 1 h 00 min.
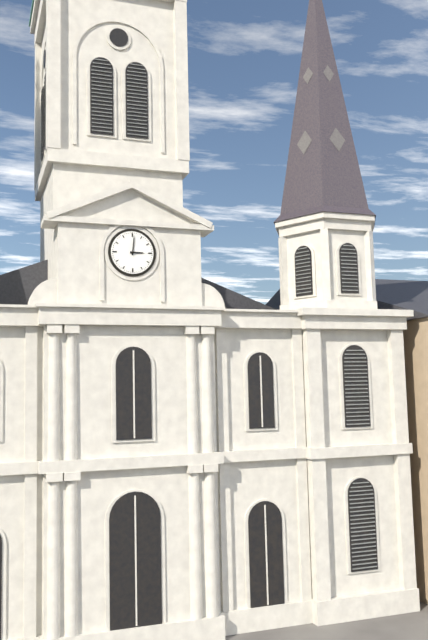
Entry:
3 h 01 min
